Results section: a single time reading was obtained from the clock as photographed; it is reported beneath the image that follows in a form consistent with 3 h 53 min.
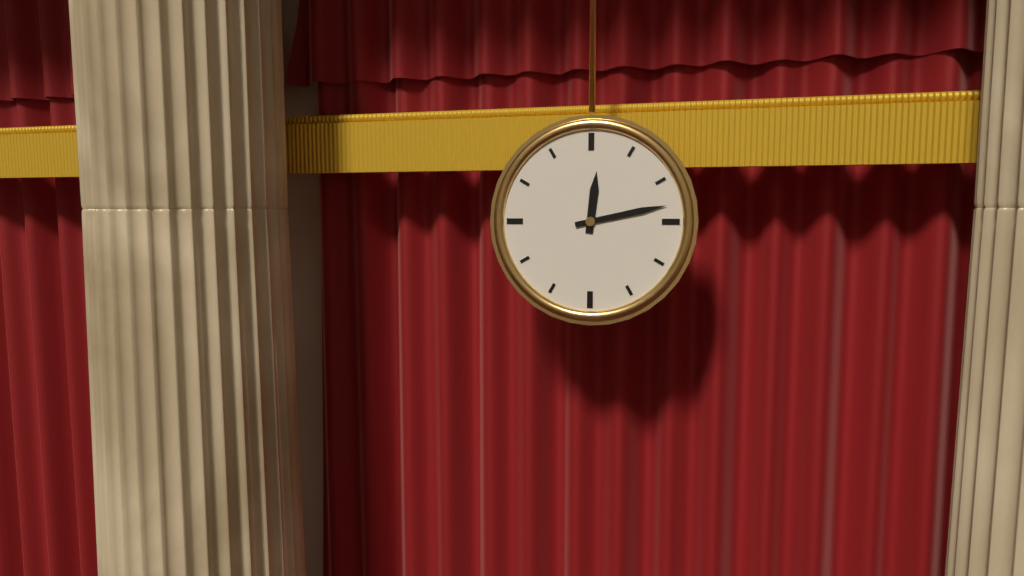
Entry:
12 h 13 min
